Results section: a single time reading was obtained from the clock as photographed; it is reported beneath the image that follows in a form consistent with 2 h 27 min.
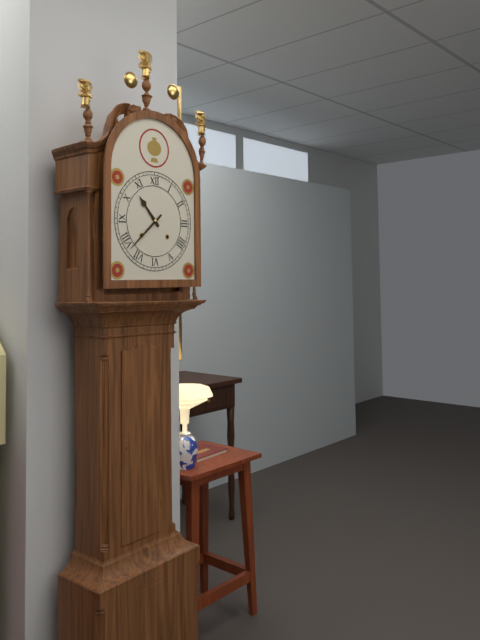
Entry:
10 h 38 min
